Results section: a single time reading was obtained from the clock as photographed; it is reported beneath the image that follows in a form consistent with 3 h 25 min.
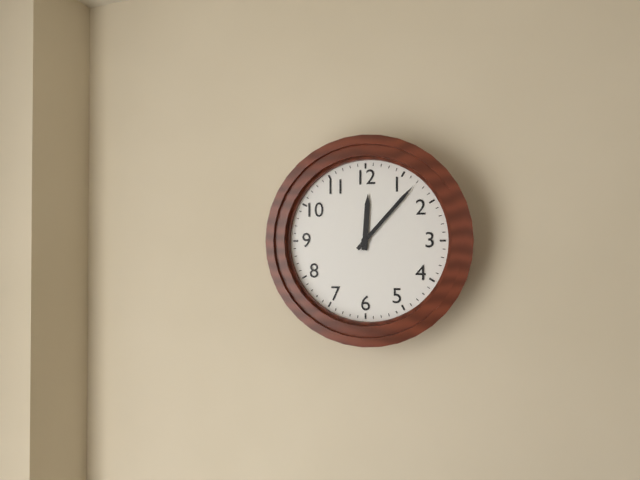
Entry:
12 h 07 min
